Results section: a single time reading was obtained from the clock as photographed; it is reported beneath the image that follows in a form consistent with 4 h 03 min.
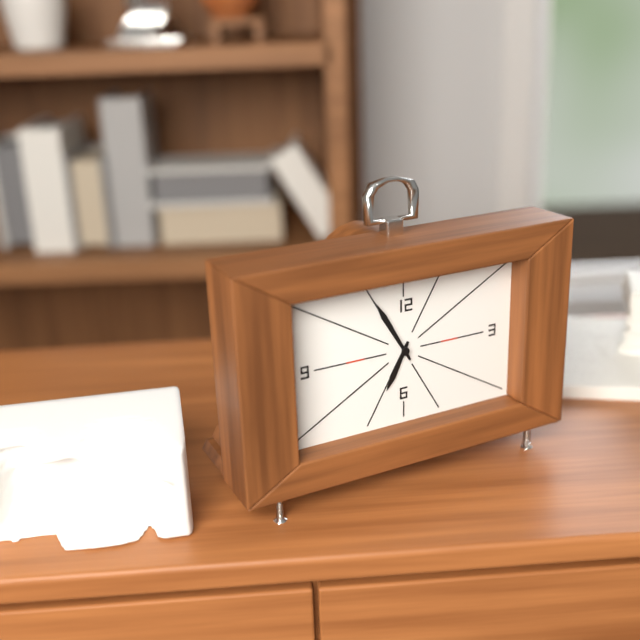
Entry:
6 h 55 min
